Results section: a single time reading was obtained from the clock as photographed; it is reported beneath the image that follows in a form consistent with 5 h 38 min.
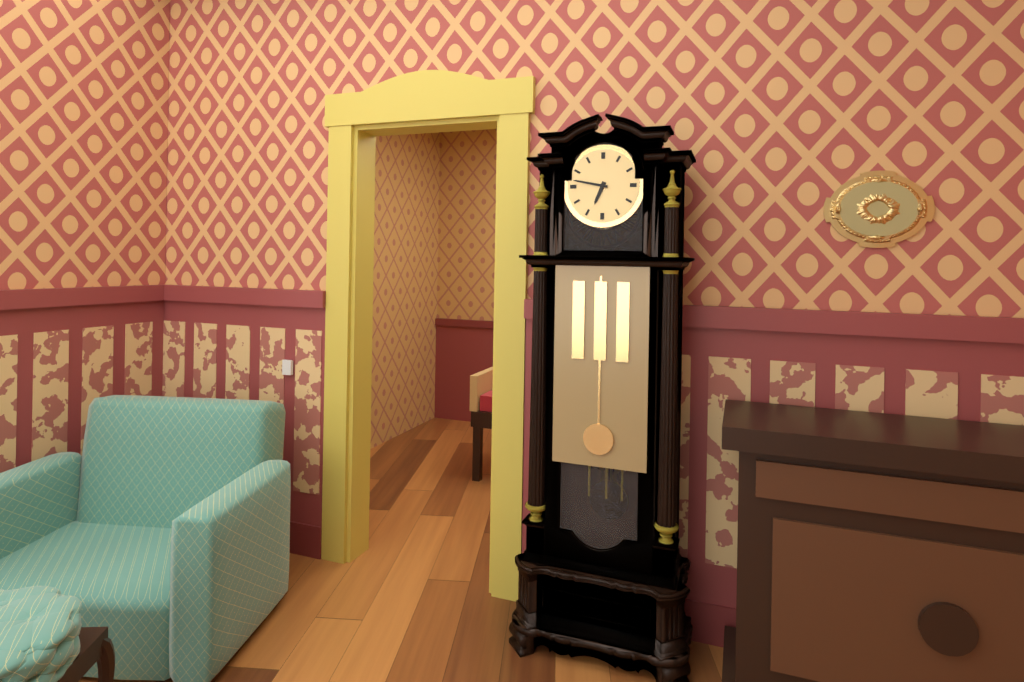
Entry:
6 h 47 min
